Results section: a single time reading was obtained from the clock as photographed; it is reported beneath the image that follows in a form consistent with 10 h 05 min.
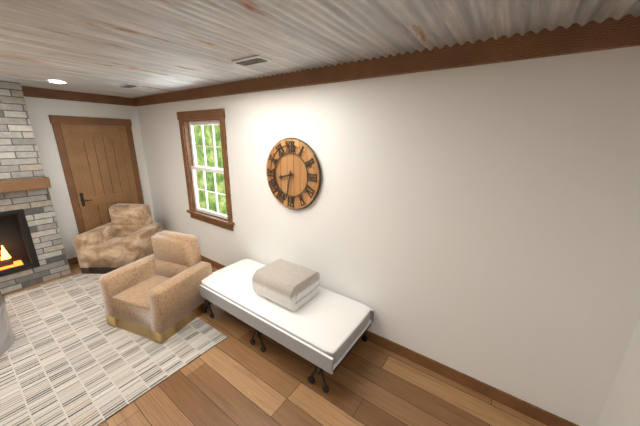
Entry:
8 h 32 min
